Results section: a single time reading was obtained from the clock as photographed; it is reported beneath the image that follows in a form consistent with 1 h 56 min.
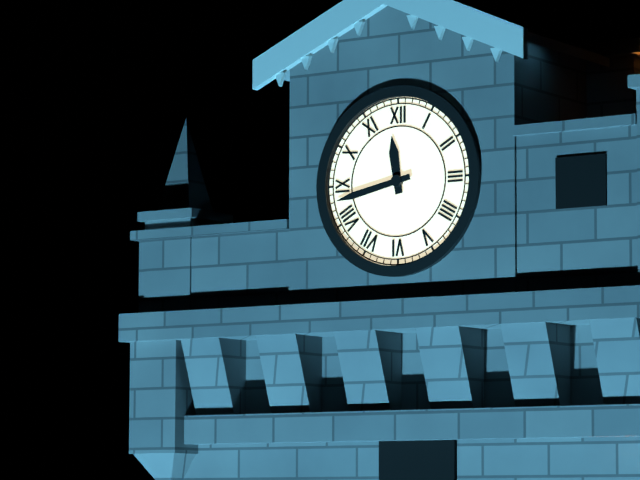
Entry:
11 h 43 min
